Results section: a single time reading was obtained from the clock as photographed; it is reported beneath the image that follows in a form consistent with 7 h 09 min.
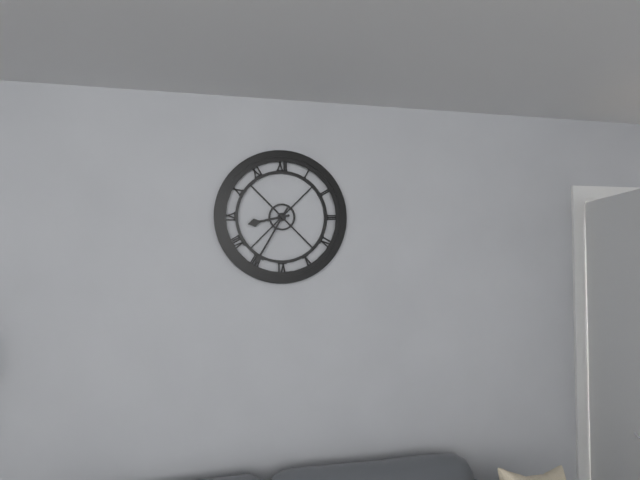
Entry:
8 h 35 min
